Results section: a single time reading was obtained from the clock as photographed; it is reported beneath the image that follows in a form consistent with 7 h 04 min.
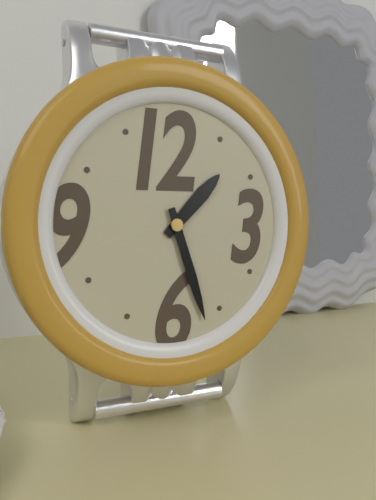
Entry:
1 h 27 min
